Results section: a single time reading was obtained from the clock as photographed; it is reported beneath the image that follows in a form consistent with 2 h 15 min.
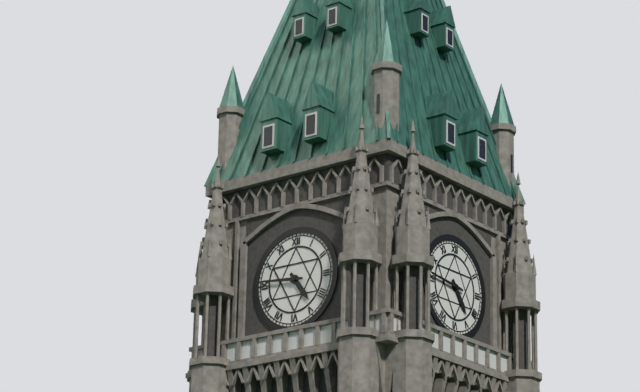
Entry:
4 h 46 min
